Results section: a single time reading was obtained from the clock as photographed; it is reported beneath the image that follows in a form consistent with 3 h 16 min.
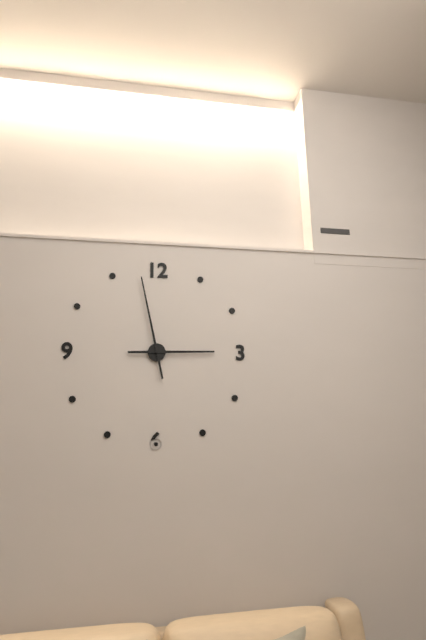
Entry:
2 h 58 min
